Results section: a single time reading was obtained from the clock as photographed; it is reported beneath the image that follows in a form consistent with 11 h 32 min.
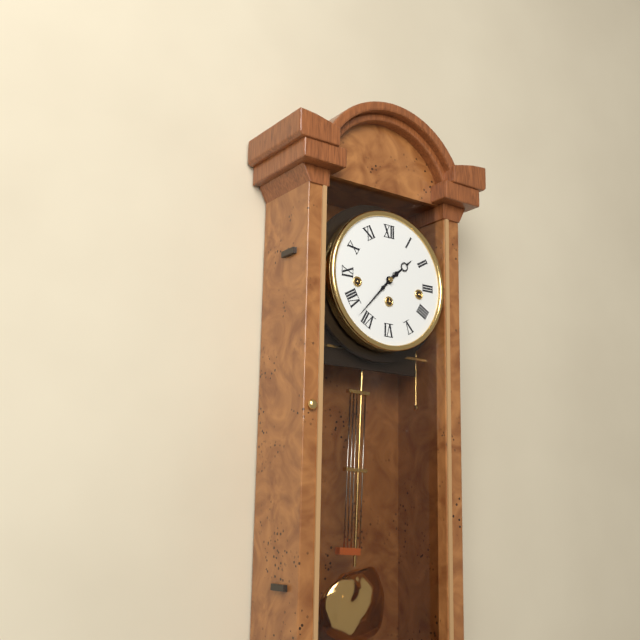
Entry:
1 h 37 min
